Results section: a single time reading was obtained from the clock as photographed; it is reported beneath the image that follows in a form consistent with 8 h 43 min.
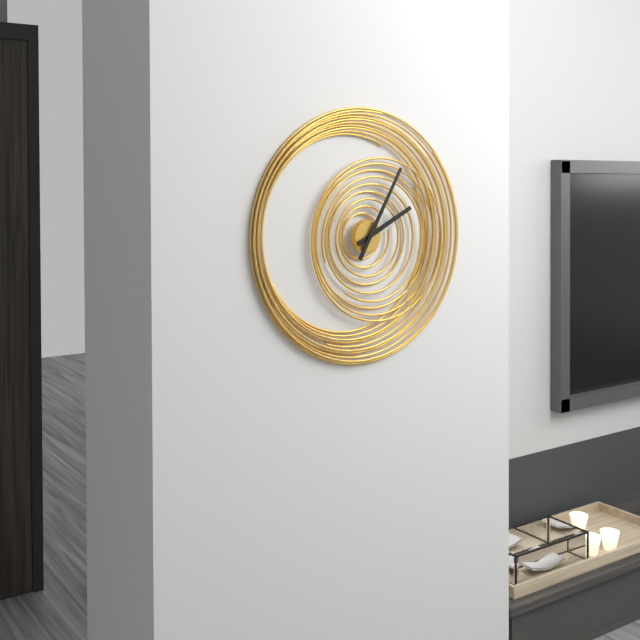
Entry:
2 h 05 min
